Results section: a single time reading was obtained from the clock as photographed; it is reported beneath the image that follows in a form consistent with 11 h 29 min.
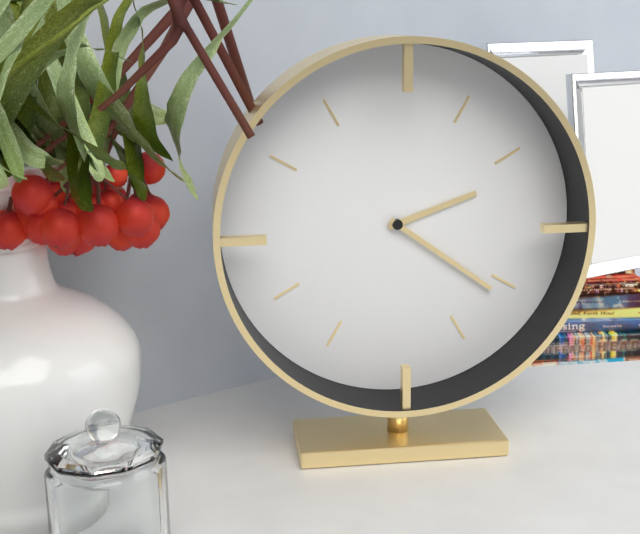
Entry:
2 h 21 min
